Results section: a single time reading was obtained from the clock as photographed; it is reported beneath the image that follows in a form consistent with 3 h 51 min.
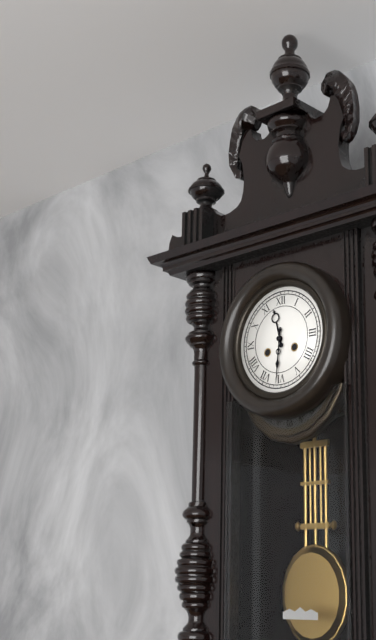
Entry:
11 h 31 min
